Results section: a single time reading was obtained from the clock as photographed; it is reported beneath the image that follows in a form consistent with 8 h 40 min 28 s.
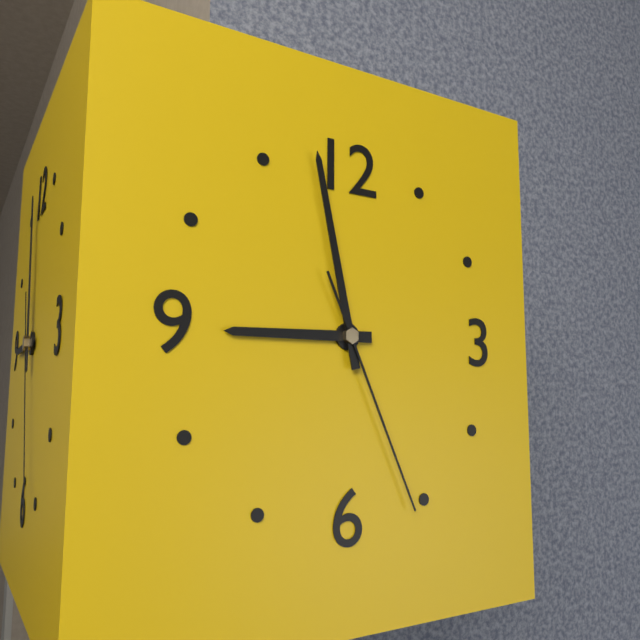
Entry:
8 h 58 min 26 s
